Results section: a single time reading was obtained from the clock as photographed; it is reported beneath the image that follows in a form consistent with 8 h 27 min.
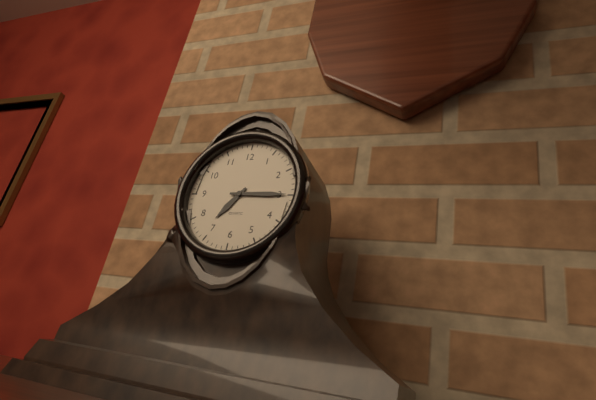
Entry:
7 h 15 min
